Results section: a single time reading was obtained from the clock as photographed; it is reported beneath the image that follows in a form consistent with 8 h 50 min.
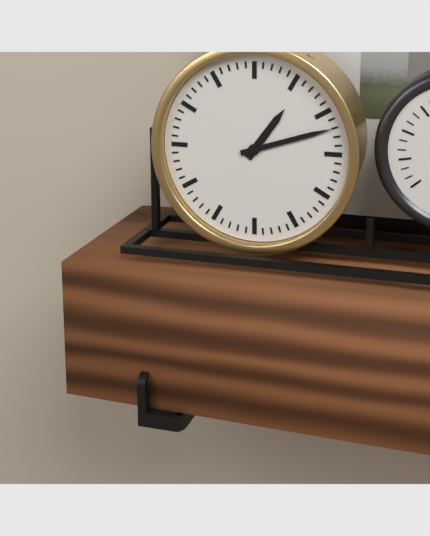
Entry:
1 h 12 min
